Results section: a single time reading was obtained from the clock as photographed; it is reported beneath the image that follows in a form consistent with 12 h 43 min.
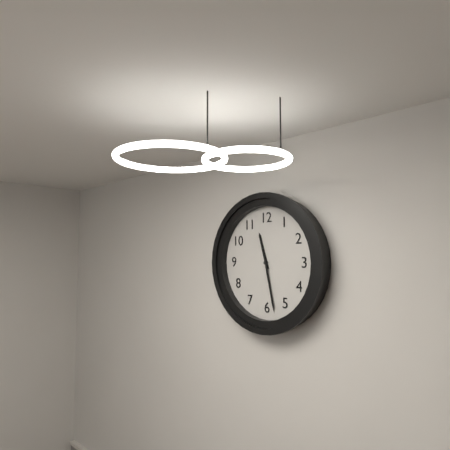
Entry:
11 h 28 min
